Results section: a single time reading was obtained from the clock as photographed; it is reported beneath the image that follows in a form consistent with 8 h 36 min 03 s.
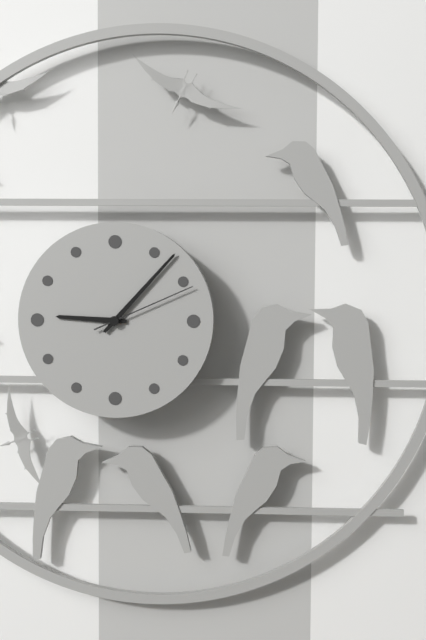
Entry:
9 h 07 min 11 s
